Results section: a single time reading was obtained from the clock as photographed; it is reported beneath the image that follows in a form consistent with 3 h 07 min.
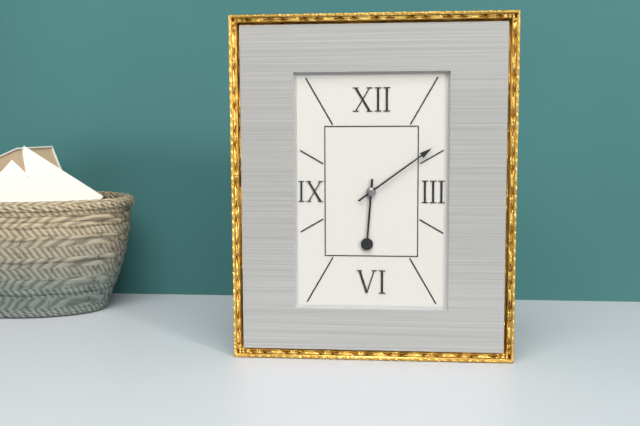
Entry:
6 h 09 min
